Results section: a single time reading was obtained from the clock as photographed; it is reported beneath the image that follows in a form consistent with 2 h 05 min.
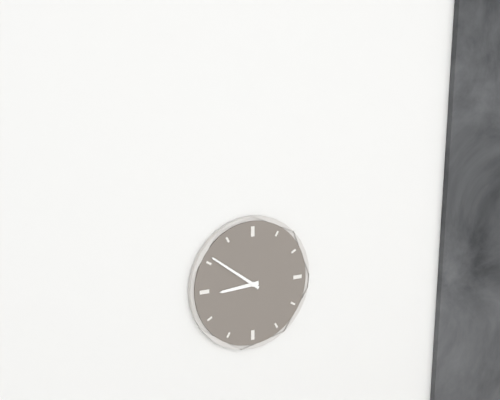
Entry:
8 h 51 min
